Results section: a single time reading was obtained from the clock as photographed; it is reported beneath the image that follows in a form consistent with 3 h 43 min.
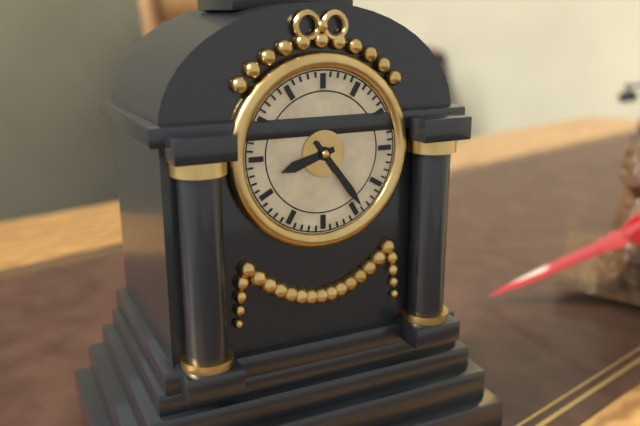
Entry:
8 h 24 min
